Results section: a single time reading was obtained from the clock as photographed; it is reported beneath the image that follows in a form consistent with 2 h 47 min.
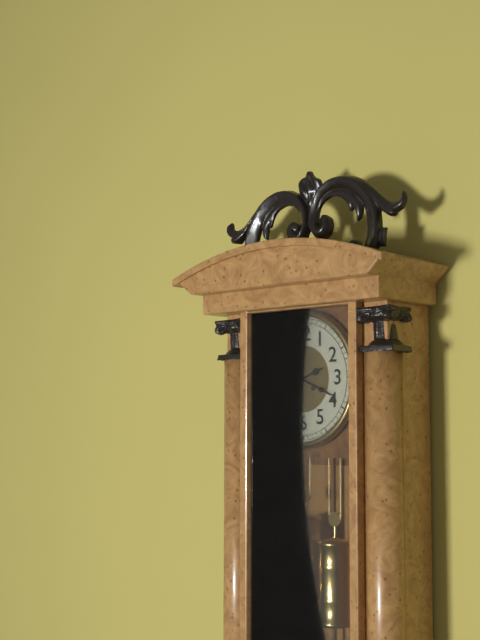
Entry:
2 h 19 min
